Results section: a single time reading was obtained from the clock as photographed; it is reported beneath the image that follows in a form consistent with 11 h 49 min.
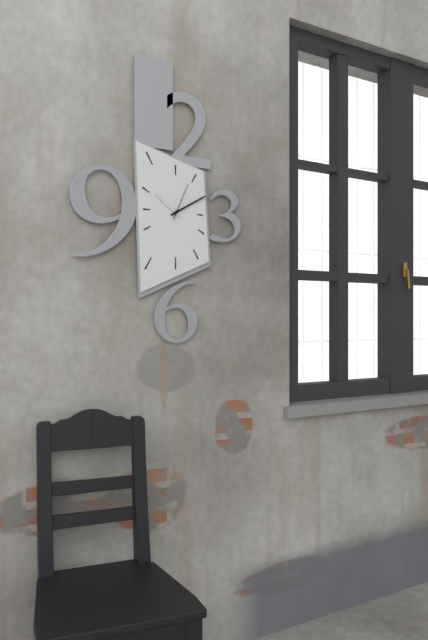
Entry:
10 h 10 min
